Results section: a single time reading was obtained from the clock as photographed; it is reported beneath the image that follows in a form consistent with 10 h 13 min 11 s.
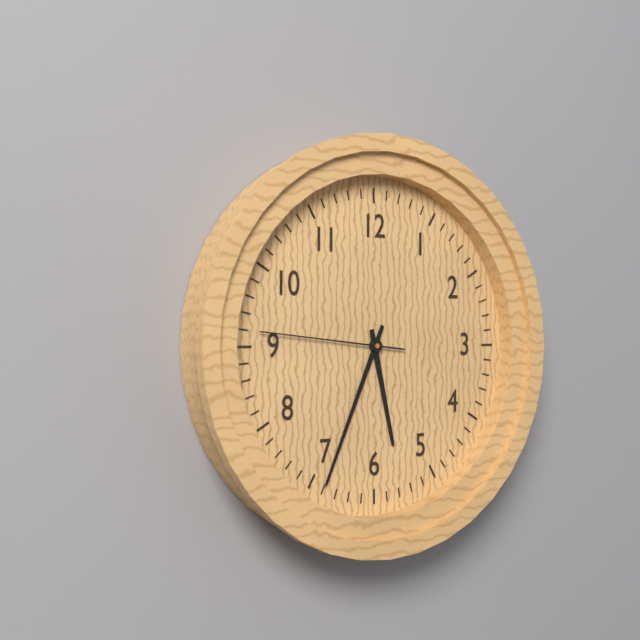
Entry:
5 h 34 min 46 s
